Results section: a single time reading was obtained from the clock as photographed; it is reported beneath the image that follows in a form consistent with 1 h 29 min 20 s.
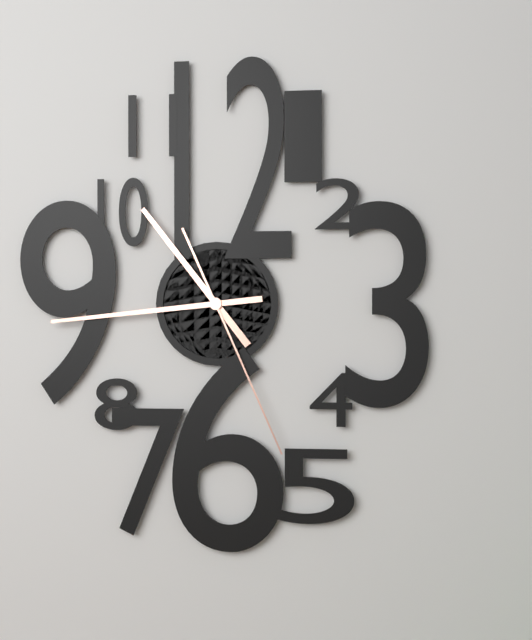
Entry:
10 h 44 min 26 s
